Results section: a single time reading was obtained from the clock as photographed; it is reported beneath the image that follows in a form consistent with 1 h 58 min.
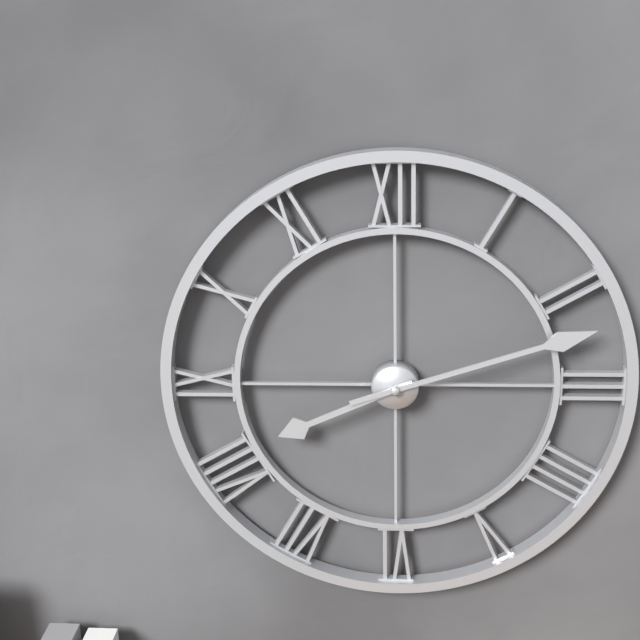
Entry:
8 h 12 min
